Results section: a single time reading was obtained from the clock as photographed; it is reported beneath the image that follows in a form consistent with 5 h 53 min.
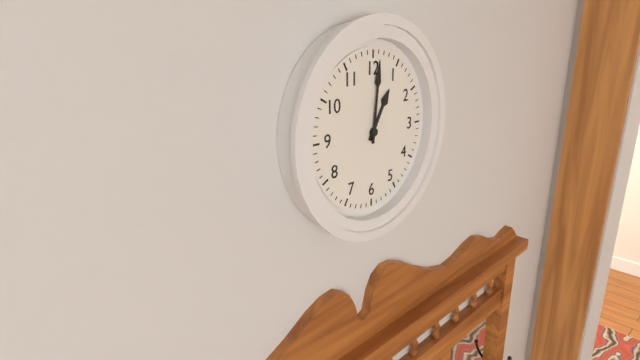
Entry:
1 h 01 min
